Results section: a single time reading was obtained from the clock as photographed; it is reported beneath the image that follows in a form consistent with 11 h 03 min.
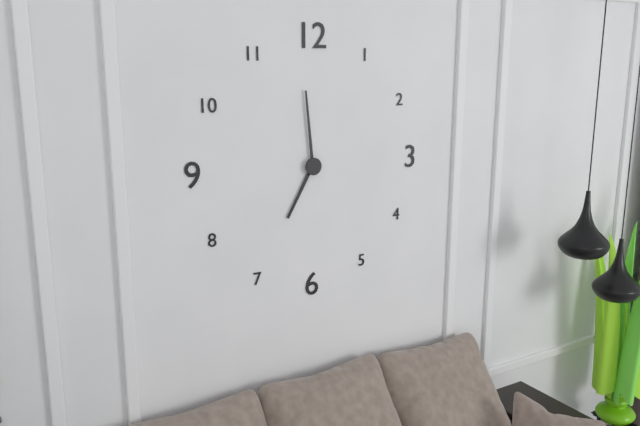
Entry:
6 h 59 min
